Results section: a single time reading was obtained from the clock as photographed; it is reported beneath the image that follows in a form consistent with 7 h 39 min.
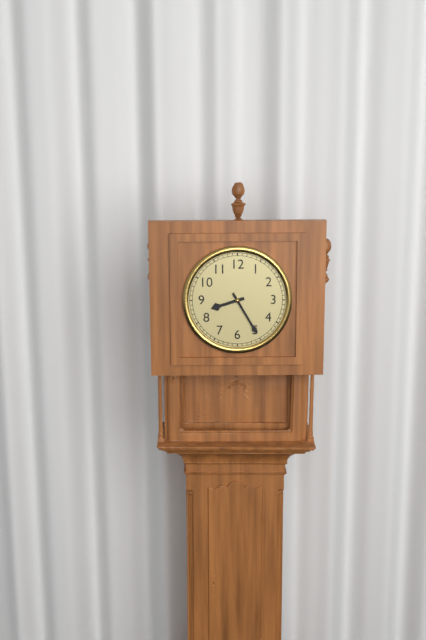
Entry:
8 h 25 min
